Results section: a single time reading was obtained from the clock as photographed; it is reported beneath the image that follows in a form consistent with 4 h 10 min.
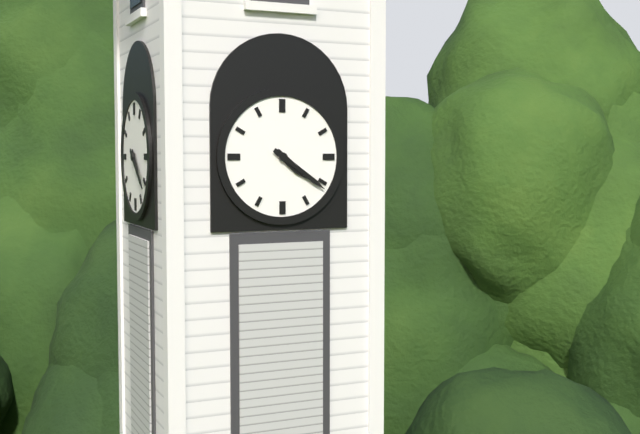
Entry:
4 h 21 min
